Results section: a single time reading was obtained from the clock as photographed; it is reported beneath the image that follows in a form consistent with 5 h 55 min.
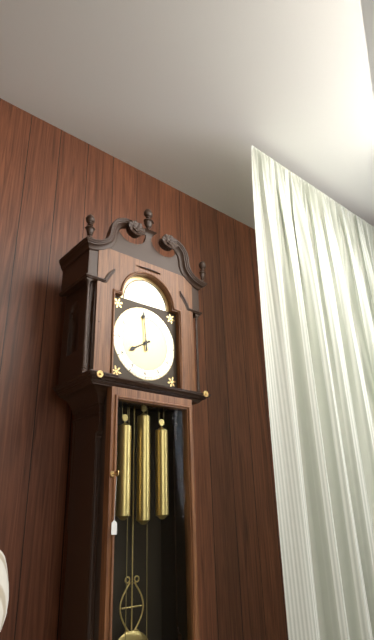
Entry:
7 h 59 min
